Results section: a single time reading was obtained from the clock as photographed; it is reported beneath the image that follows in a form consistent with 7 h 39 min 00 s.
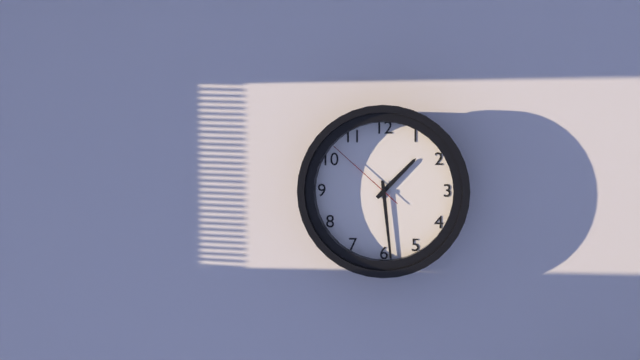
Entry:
1 h 29 min 52 s
